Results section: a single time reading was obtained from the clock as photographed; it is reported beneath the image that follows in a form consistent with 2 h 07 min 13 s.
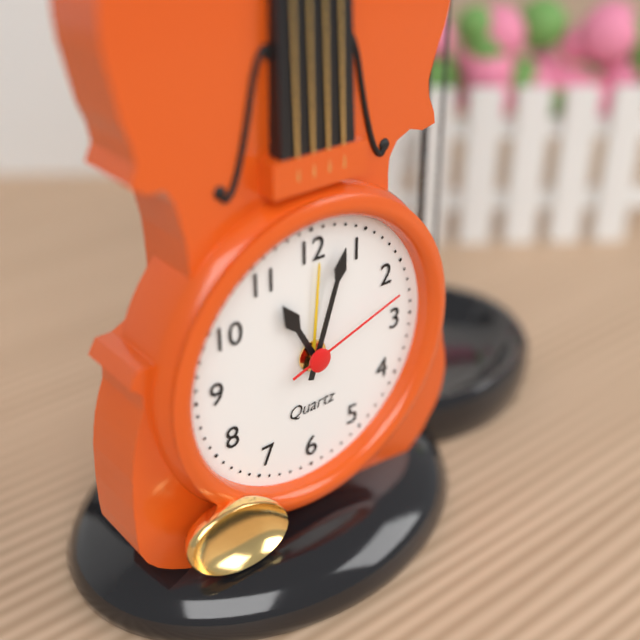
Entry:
11 h 03 min 12 s
